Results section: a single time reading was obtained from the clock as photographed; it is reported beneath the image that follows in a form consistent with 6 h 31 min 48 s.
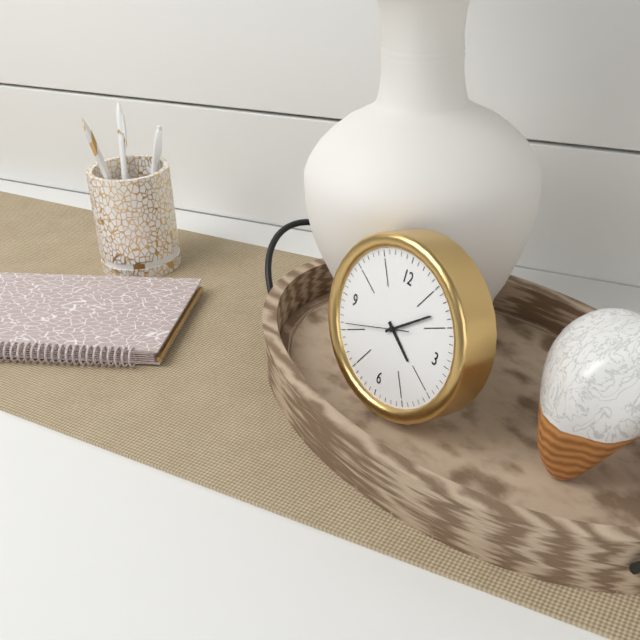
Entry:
4 h 08 min 41 s
